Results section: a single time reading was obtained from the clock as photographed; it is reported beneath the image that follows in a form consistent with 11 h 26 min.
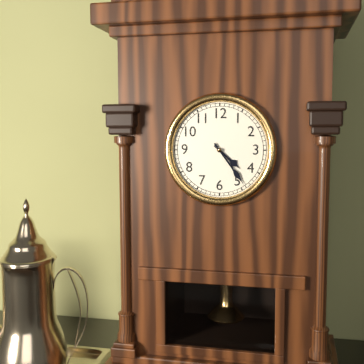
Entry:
4 h 24 min
